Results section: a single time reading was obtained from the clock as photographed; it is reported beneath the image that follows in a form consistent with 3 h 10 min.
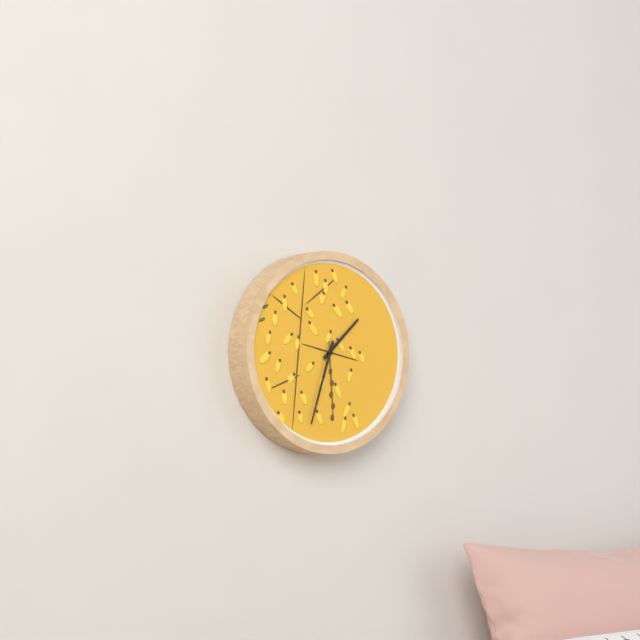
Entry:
1 h 33 min
